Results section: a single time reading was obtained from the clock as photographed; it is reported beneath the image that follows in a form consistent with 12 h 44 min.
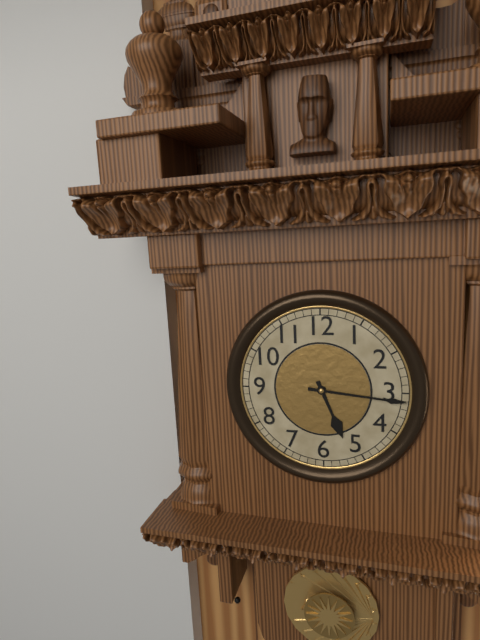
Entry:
5 h 16 min
